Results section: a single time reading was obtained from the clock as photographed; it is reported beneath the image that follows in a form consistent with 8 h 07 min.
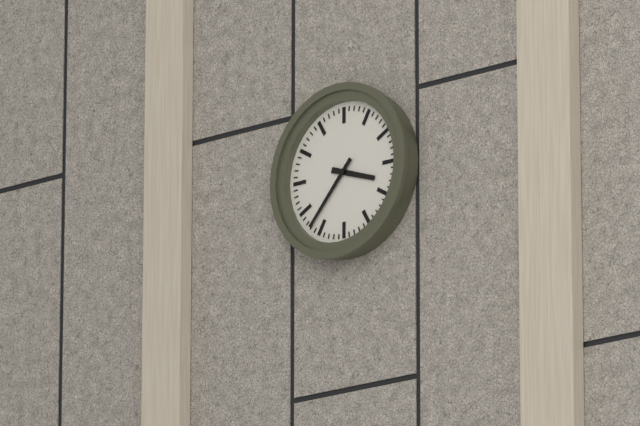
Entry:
3 h 37 min
